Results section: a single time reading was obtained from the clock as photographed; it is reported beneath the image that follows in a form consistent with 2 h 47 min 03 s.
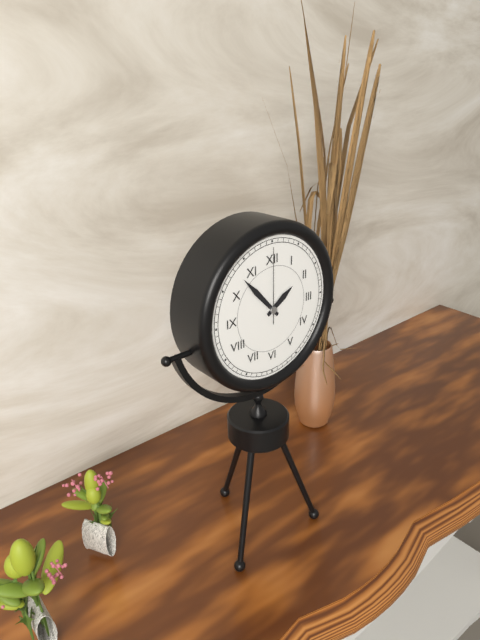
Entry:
1 h 53 min 00 s
